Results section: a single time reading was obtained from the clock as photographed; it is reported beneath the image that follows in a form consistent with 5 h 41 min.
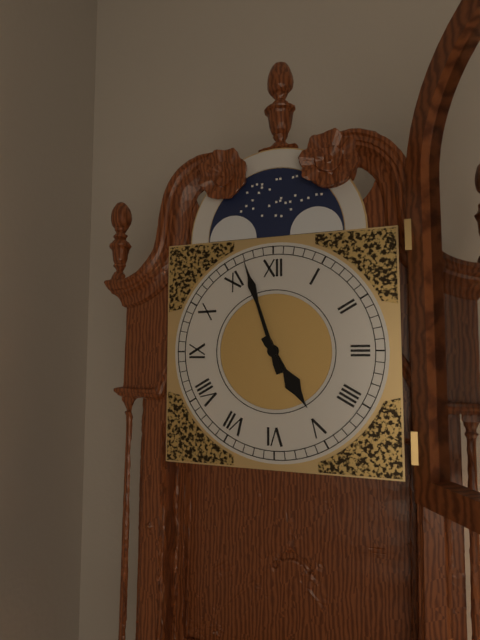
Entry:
4 h 57 min
